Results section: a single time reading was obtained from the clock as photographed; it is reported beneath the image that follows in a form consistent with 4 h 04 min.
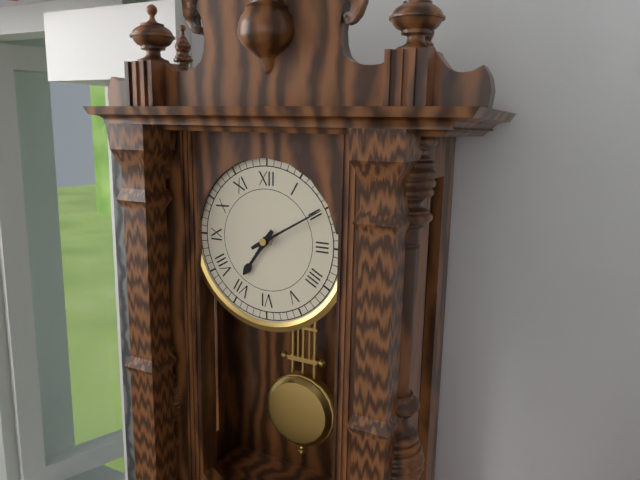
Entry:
7 h 10 min
